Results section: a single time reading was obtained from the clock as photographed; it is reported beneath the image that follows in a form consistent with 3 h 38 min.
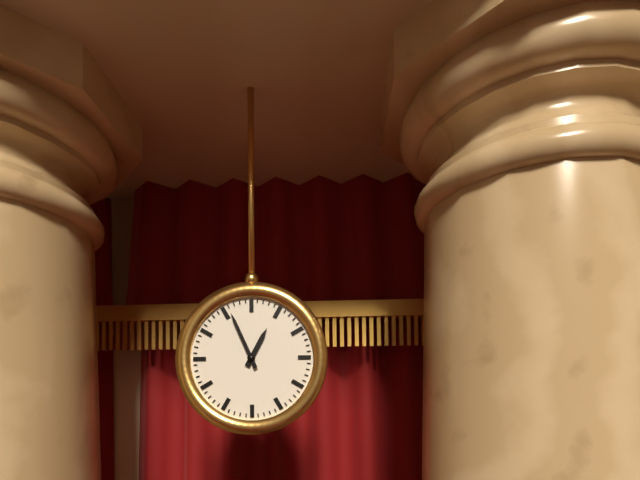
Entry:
12 h 56 min
